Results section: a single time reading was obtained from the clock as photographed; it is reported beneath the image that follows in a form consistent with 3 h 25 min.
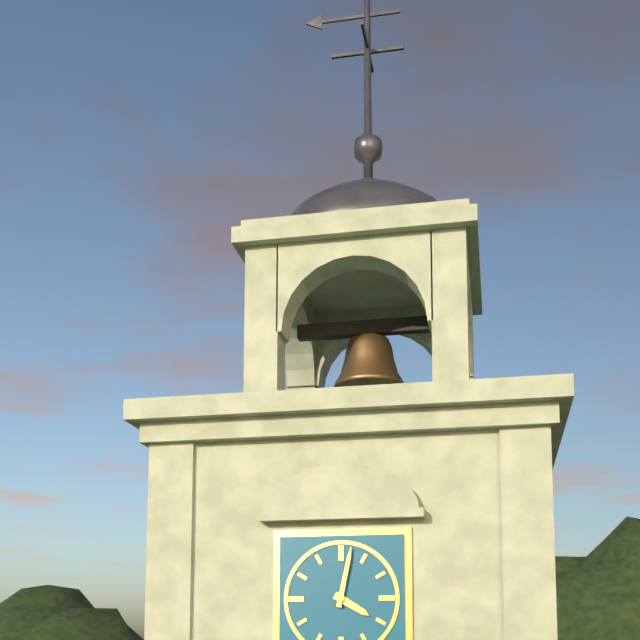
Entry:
4 h 02 min
